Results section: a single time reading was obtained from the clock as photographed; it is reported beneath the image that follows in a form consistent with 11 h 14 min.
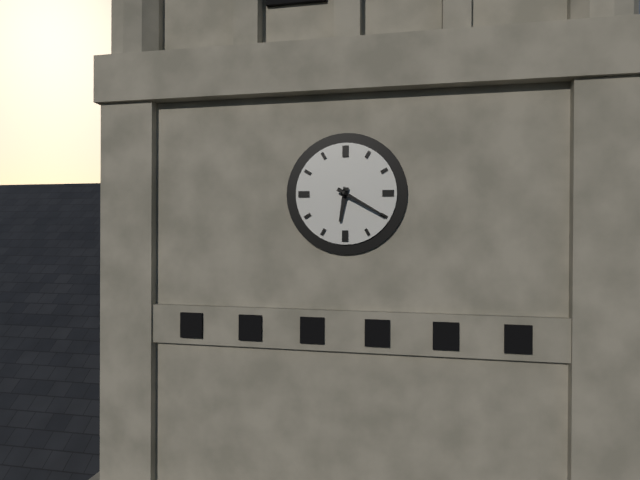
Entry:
6 h 20 min
